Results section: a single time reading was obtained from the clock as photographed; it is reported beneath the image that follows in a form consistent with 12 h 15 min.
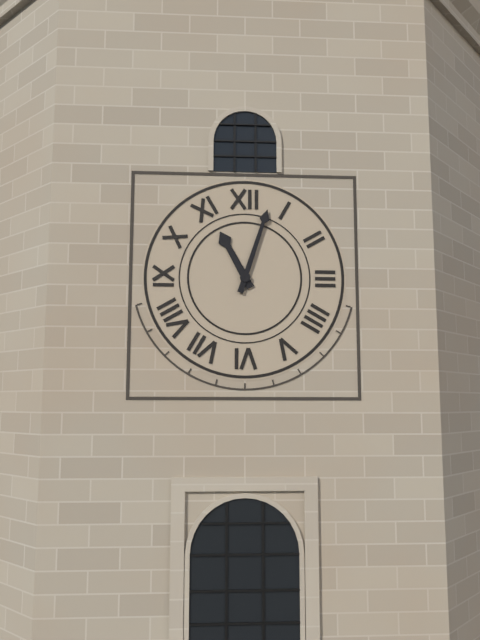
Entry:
11 h 03 min
